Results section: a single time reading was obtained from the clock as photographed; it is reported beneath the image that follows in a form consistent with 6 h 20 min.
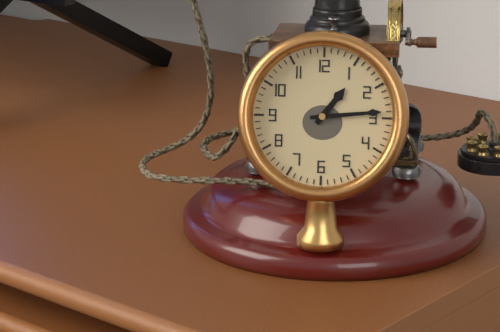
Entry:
1 h 14 min
